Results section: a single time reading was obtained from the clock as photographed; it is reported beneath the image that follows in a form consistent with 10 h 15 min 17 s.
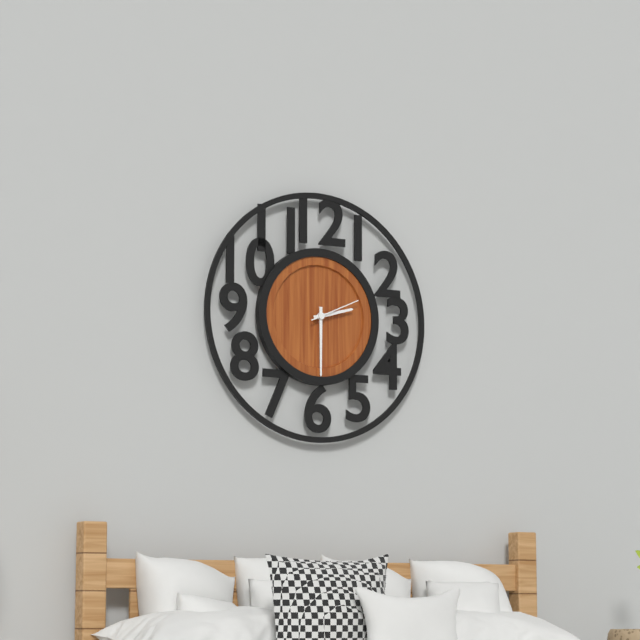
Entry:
2 h 30 min 11 s
